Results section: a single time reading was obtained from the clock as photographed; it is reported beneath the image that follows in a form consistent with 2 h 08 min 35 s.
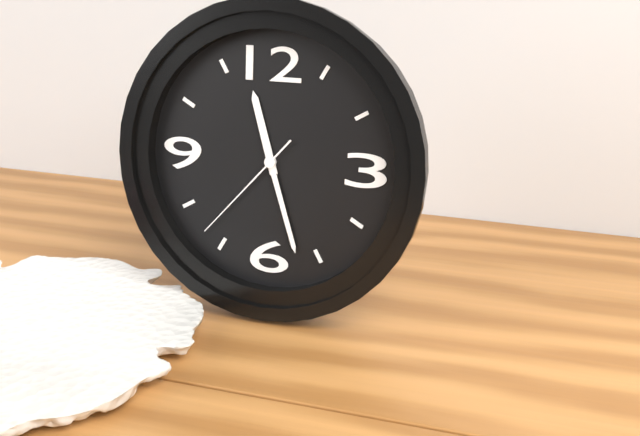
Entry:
11 h 27 min 37 s
